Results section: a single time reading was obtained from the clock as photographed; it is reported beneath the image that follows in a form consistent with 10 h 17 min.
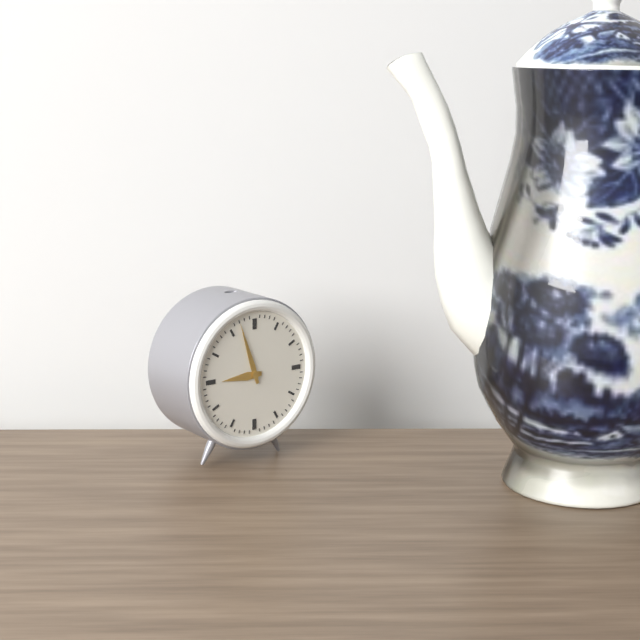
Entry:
8 h 57 min
